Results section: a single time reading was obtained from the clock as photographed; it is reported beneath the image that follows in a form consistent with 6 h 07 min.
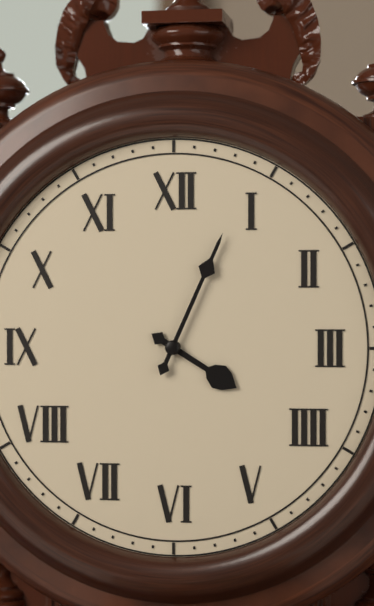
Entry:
4 h 04 min
